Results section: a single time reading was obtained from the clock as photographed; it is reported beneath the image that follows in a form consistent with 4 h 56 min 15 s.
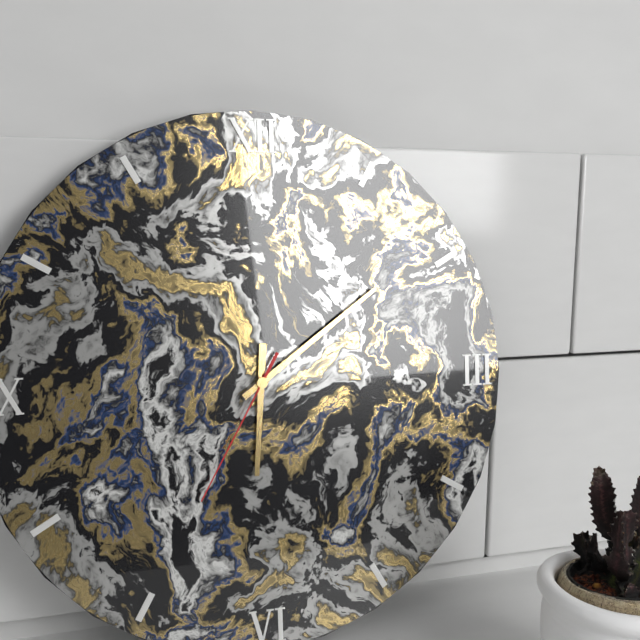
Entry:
6 h 09 min 35 s
